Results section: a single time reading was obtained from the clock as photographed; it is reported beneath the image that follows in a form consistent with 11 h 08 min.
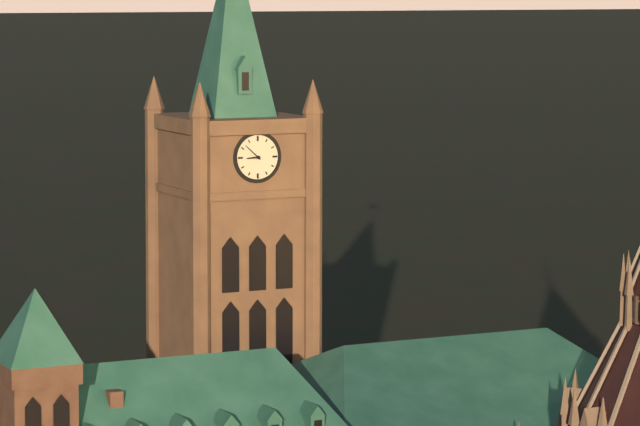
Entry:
8 h 52 min
